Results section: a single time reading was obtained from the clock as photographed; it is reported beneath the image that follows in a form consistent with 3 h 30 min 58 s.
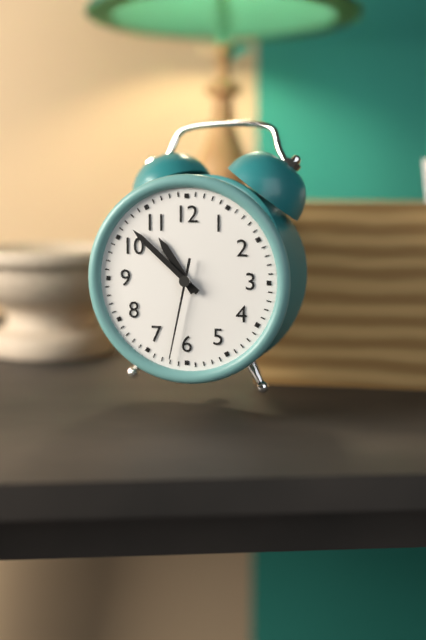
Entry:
10 h 52 min 32 s
